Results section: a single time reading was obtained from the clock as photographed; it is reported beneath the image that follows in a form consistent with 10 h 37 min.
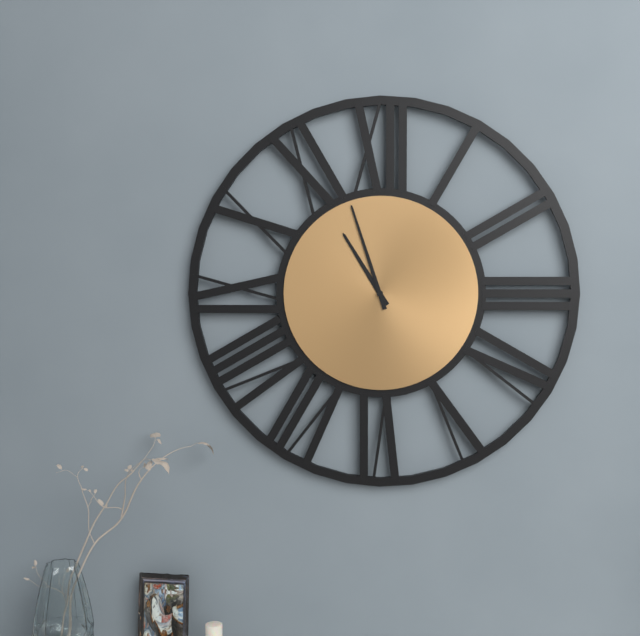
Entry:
10 h 57 min
